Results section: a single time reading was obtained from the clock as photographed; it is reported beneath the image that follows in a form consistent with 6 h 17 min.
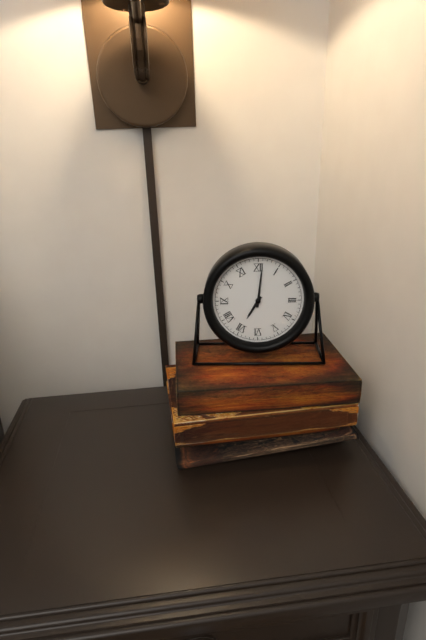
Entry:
7 h 01 min
